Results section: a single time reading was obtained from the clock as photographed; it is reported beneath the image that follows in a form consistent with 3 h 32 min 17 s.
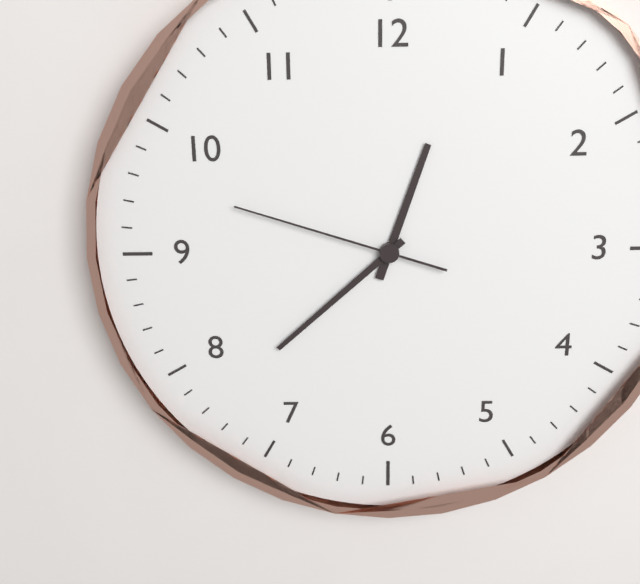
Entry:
12 h 38 min 48 s
